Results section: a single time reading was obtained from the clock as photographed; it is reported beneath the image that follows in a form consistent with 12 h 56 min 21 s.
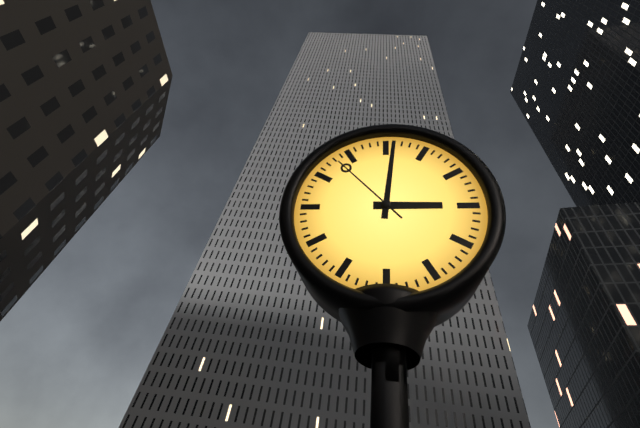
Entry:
3 h 01 min 53 s
